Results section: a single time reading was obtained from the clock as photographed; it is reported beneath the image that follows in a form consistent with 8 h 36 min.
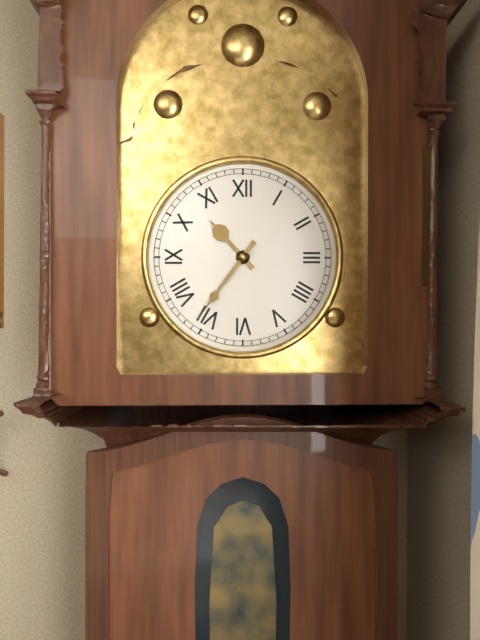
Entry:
10 h 36 min
